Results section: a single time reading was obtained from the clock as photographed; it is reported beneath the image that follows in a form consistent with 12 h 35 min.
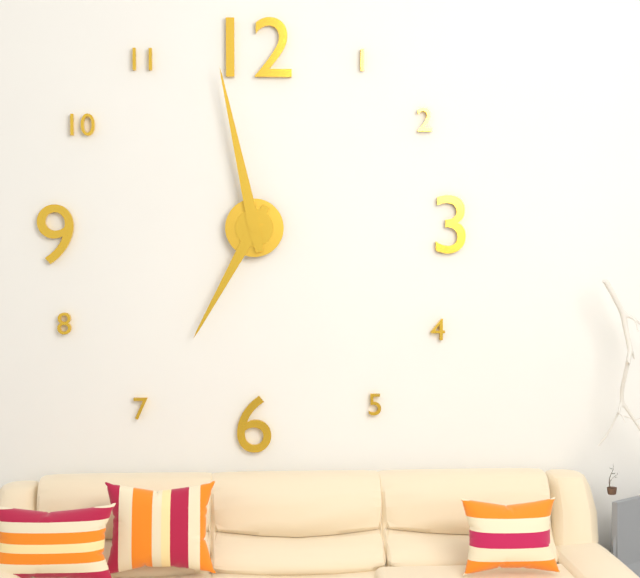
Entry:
6 h 58 min
